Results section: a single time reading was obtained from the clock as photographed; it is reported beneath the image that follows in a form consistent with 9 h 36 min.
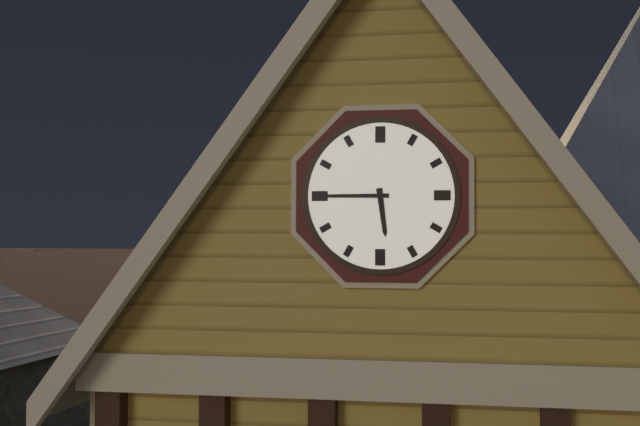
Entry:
5 h 45 min
